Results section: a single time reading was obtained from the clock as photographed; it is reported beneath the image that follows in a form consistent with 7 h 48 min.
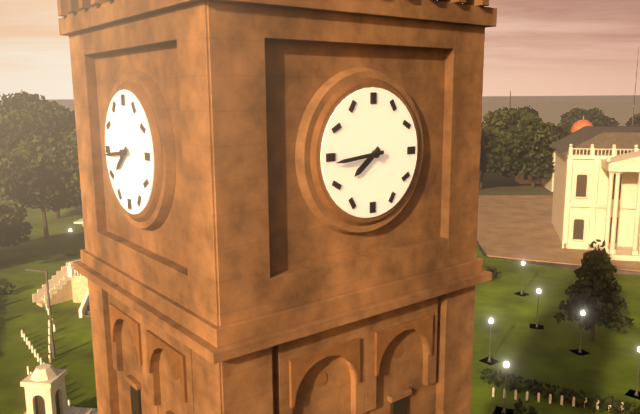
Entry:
7 h 44 min
